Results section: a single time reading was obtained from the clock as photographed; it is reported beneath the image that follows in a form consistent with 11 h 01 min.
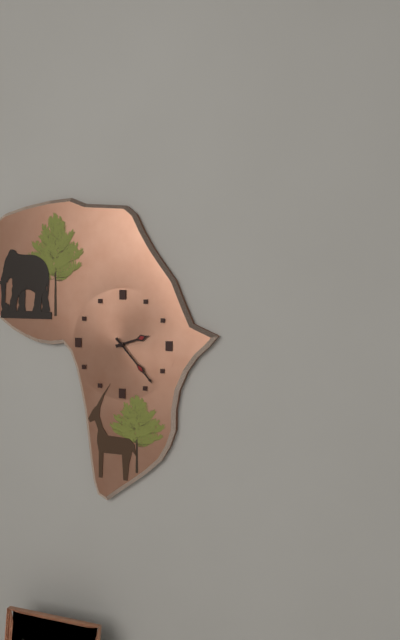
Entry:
2 h 23 min
